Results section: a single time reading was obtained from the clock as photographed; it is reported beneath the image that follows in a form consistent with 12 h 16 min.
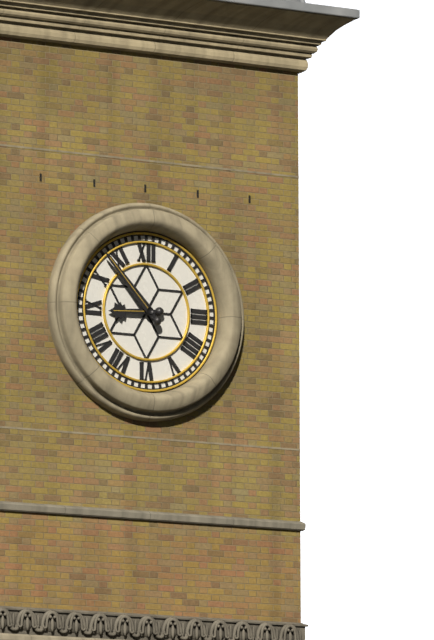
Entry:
8 h 53 min
